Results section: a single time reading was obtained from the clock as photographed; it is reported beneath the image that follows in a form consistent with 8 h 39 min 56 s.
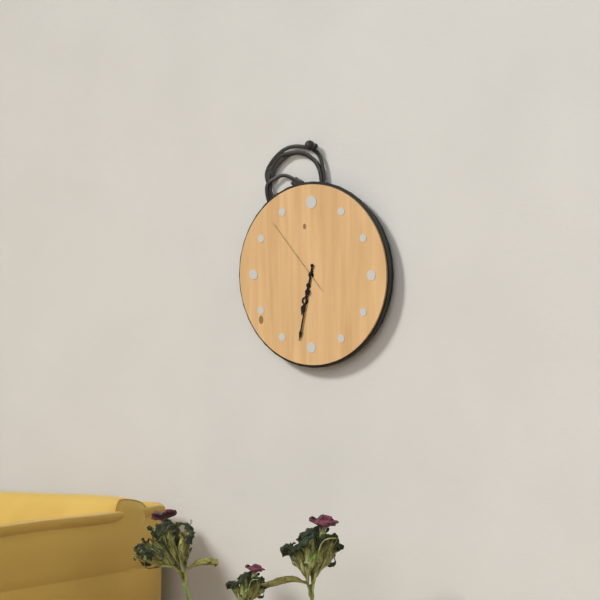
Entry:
6 h 32 min 53 s
